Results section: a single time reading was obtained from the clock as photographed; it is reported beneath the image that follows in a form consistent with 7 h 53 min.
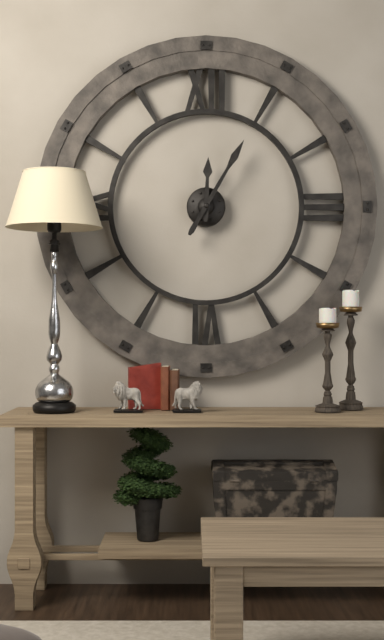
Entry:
12 h 05 min
